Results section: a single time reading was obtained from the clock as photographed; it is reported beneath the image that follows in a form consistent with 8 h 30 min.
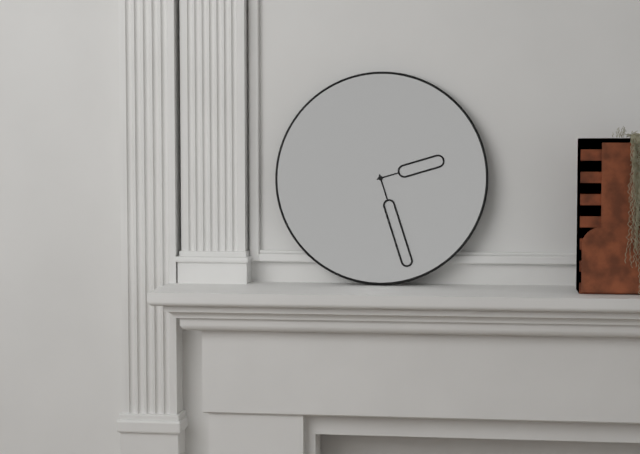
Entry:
2 h 27 min
